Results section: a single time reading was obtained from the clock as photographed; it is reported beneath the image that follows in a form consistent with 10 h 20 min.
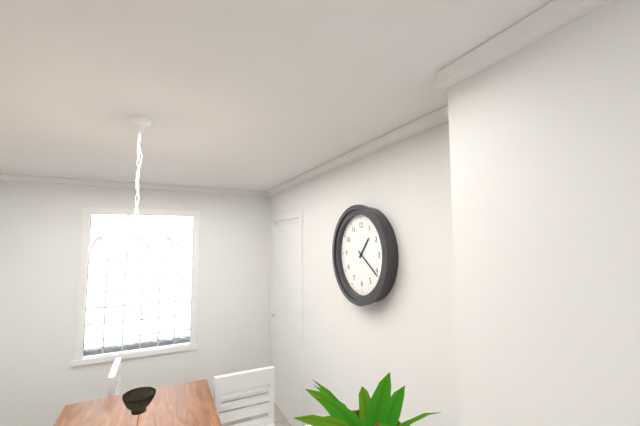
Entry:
1 h 21 min
